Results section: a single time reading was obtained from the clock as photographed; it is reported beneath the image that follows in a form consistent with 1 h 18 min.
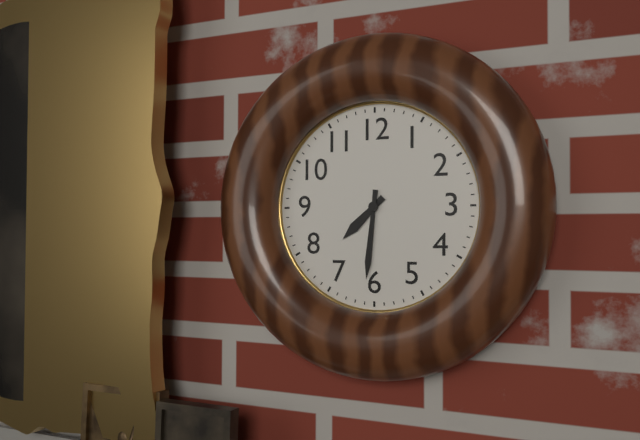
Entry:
7 h 31 min
